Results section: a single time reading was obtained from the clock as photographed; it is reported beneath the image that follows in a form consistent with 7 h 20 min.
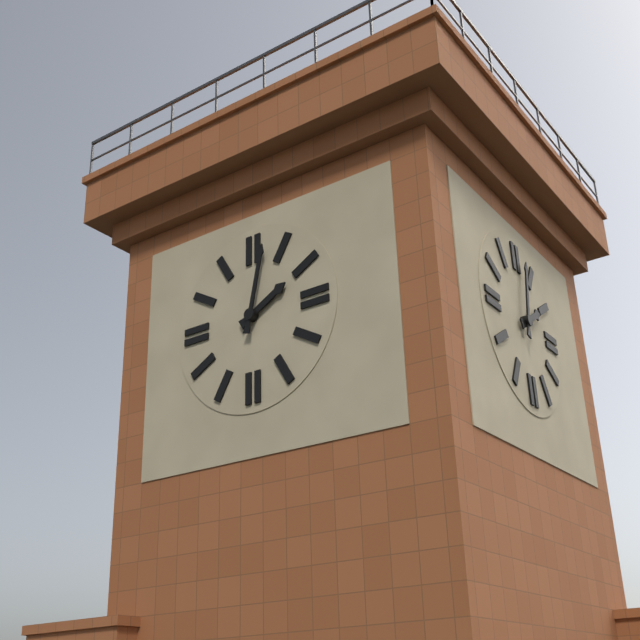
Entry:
2 h 02 min
